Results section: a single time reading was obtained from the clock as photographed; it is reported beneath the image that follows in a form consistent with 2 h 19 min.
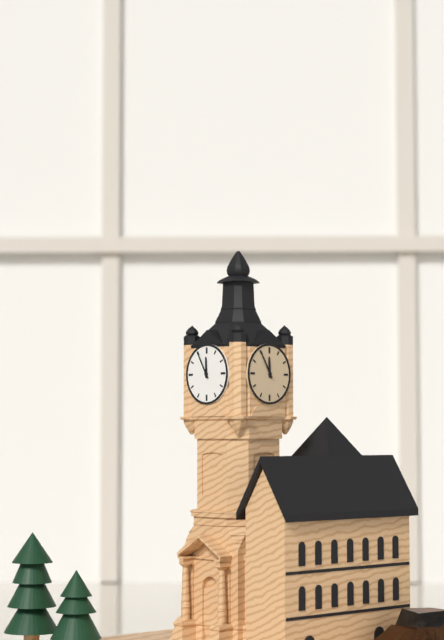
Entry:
11 h 55 min
